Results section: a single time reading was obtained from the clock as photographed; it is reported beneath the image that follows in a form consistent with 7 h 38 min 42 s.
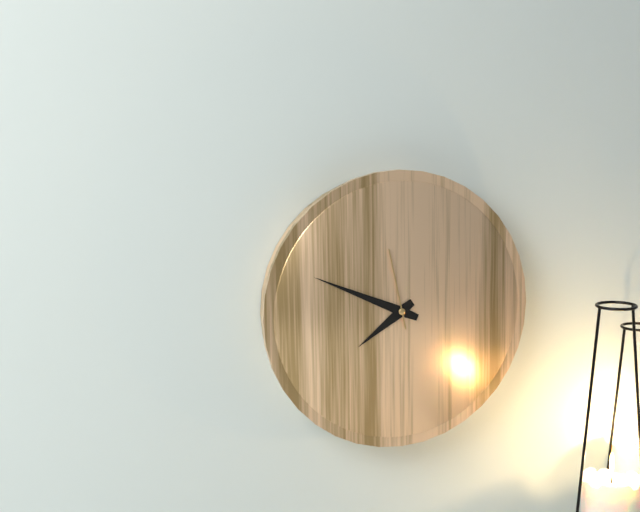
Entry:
7 h 49 min 58 s
